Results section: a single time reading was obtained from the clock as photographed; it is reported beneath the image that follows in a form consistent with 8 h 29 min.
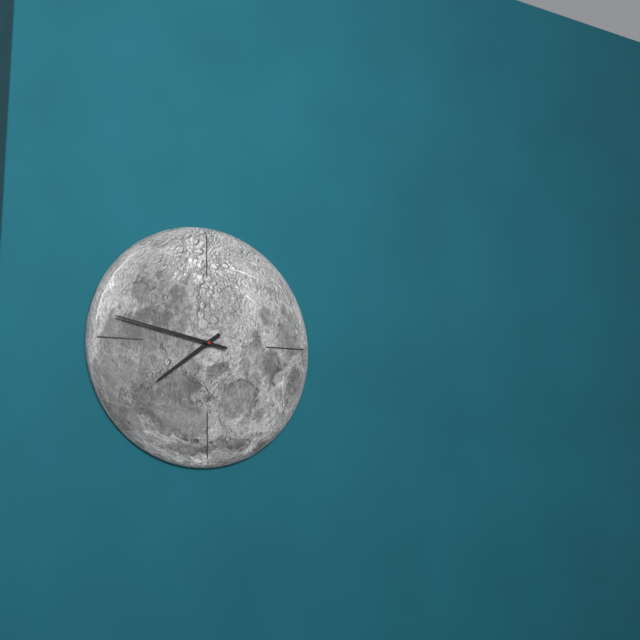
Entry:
7 h 47 min
